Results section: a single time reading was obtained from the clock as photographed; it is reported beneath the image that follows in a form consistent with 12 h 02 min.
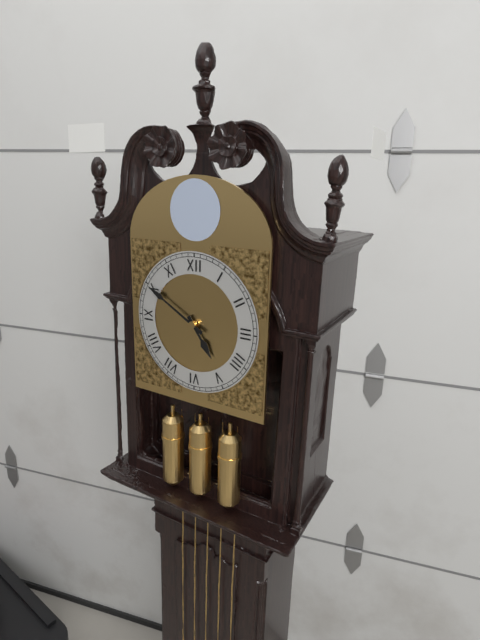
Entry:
4 h 50 min
